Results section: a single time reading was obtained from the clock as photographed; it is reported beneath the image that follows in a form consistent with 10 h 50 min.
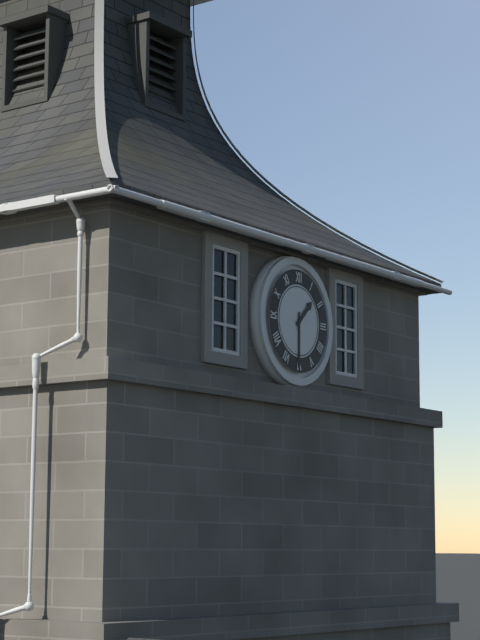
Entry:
1 h 30 min
